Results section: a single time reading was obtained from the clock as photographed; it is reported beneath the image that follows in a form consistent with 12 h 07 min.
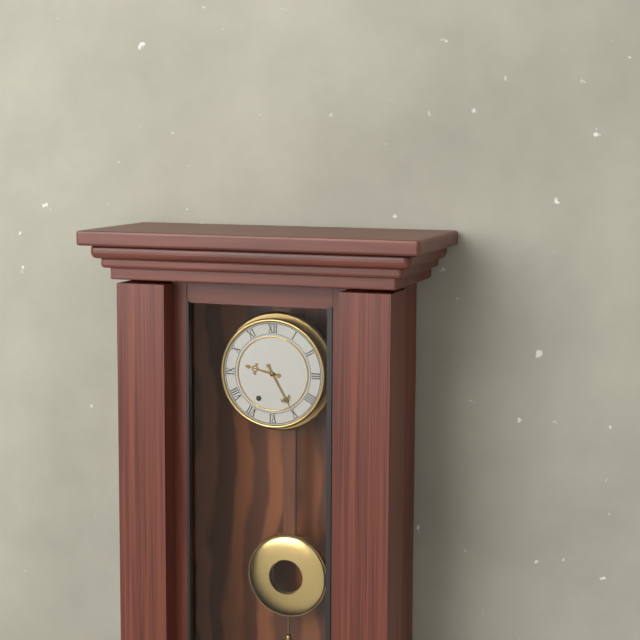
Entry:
9 h 25 min
